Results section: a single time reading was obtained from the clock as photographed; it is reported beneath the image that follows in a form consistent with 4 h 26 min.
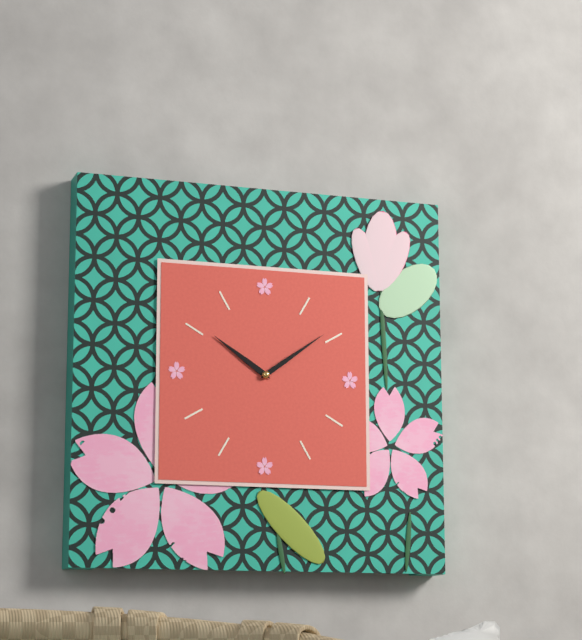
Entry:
10 h 09 min
